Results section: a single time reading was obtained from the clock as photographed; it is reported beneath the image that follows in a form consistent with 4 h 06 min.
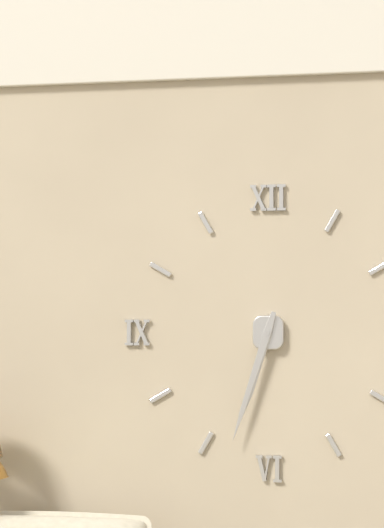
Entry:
6 h 33 min
